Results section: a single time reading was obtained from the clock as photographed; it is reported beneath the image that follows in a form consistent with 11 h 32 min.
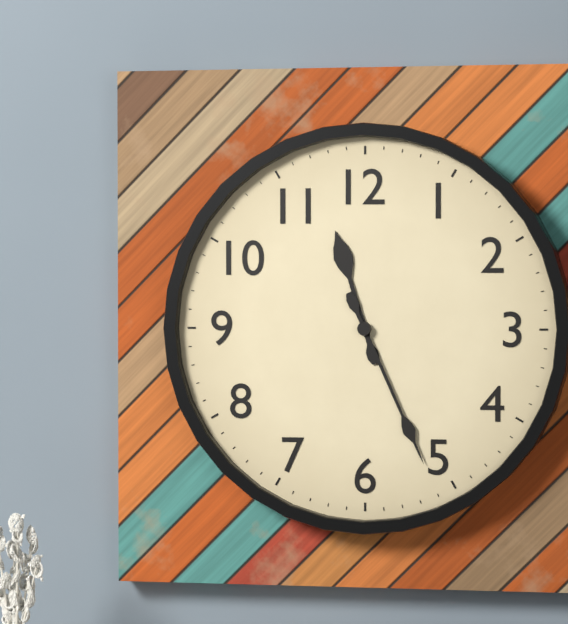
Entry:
11 h 26 min
